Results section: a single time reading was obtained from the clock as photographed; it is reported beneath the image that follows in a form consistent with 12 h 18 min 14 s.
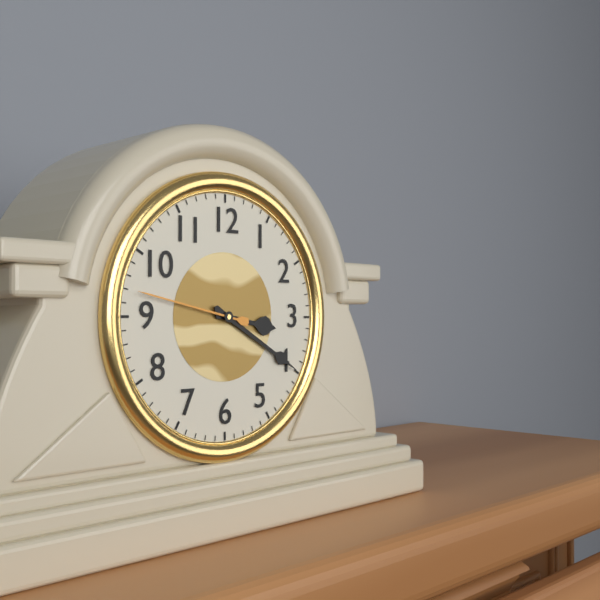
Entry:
3 h 20 min 47 s
